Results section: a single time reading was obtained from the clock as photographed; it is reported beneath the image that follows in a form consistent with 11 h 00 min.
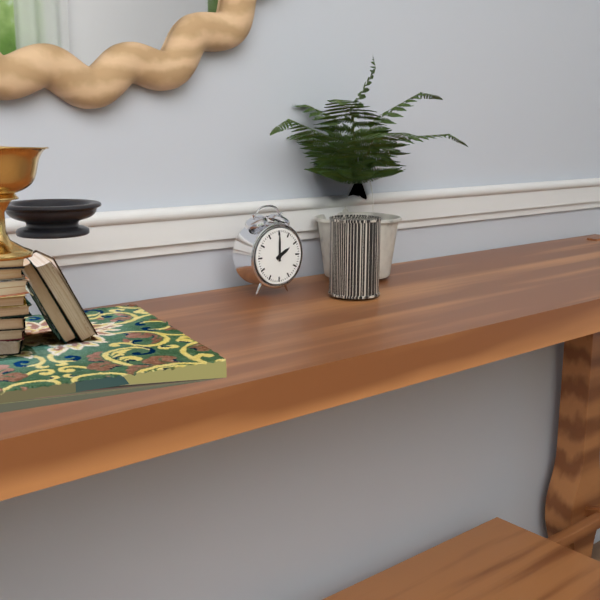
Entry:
2 h 00 min
